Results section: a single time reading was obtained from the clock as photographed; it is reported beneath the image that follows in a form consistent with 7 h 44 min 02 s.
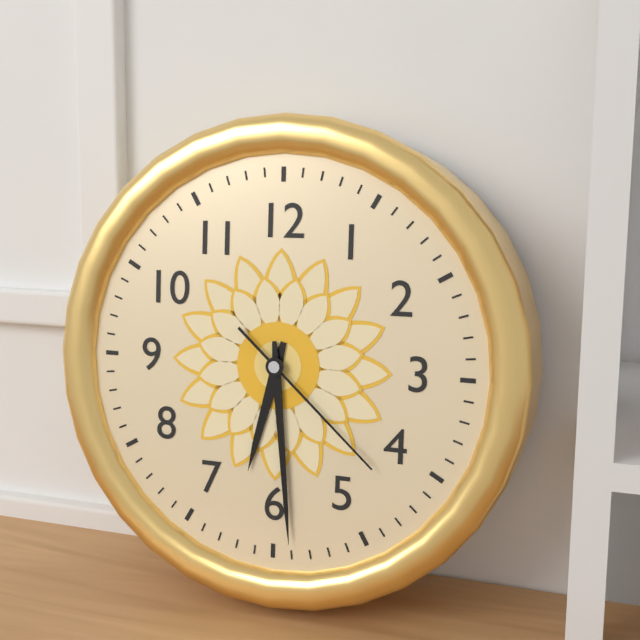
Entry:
6 h 29 min 22 s
